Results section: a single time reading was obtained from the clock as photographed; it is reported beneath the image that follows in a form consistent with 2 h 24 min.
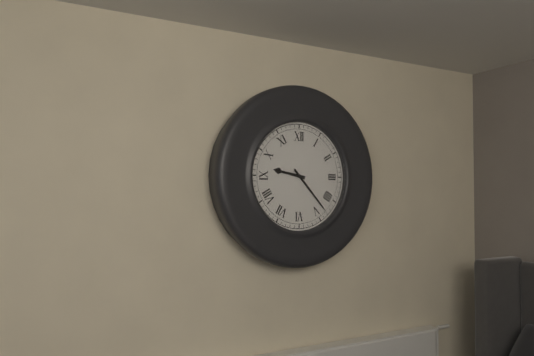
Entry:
9 h 23 min
